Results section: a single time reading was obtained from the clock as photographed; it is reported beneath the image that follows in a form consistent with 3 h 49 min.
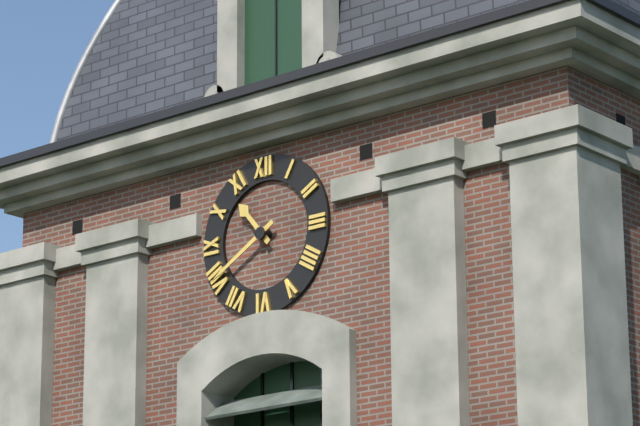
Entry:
10 h 40 min
